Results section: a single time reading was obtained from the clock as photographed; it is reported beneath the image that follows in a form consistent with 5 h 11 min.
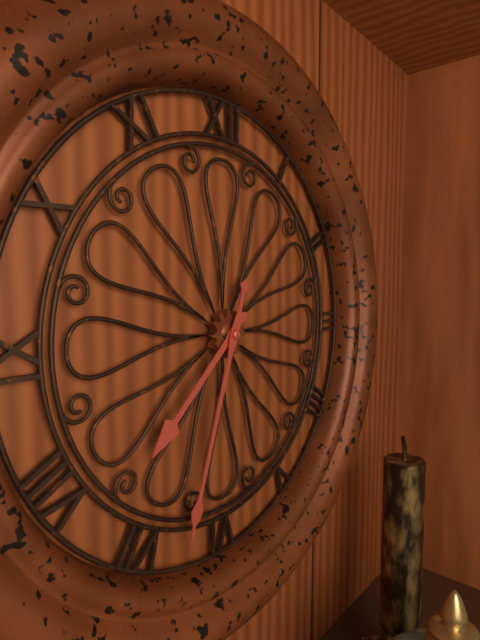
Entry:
7 h 33 min
